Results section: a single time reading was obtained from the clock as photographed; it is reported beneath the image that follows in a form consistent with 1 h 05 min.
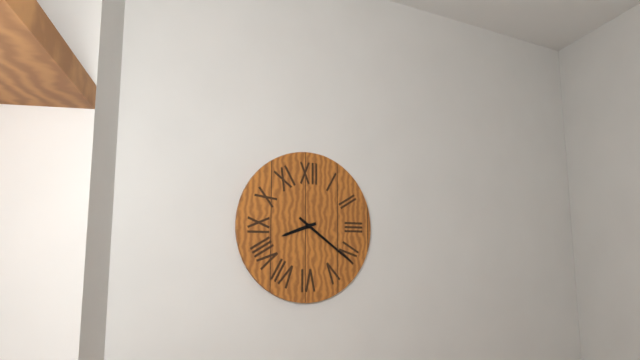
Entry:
8 h 21 min
